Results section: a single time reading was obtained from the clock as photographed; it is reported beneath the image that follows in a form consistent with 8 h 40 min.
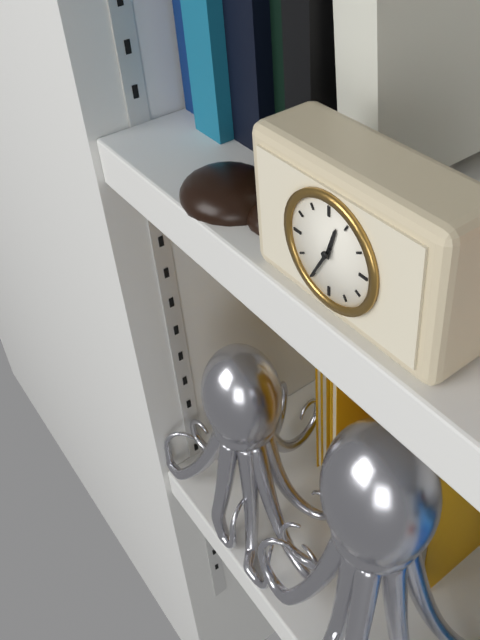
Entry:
12 h 35 min
